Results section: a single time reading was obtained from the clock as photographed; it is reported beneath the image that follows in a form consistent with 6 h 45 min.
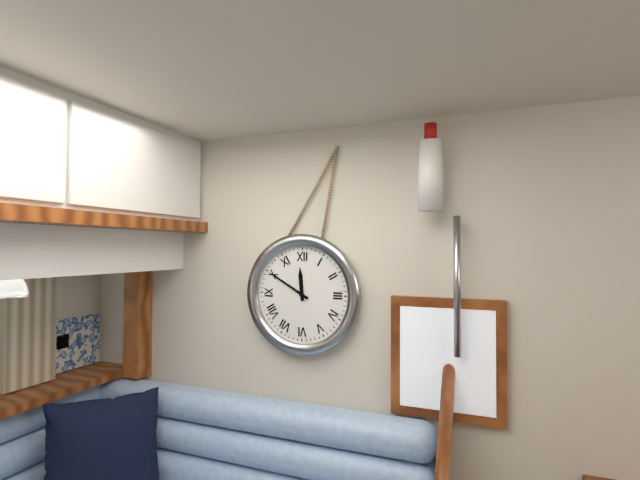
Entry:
11 h 50 min
